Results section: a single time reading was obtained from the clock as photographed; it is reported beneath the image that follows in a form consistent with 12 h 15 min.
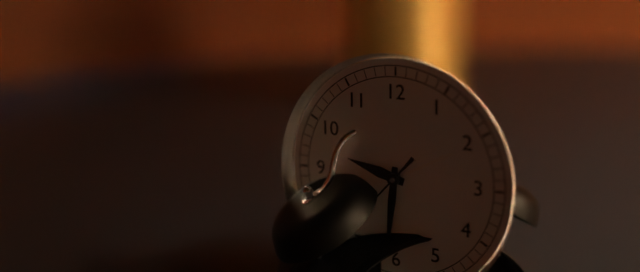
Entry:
9 h 31 min
